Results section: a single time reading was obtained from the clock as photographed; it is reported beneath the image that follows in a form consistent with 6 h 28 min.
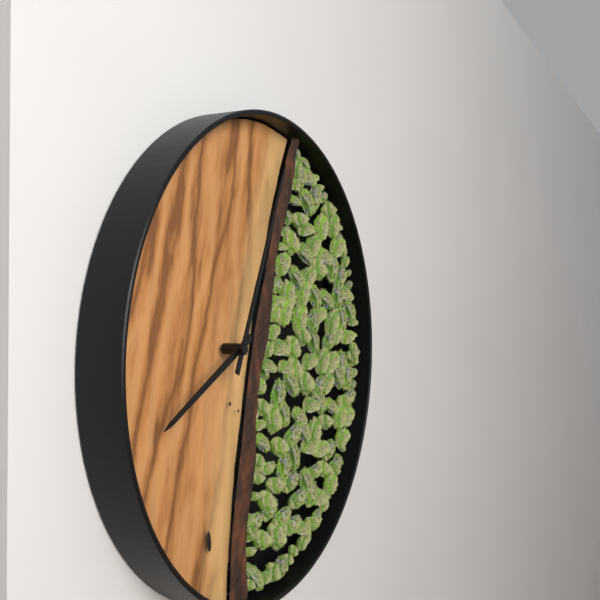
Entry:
8 h 04 min
